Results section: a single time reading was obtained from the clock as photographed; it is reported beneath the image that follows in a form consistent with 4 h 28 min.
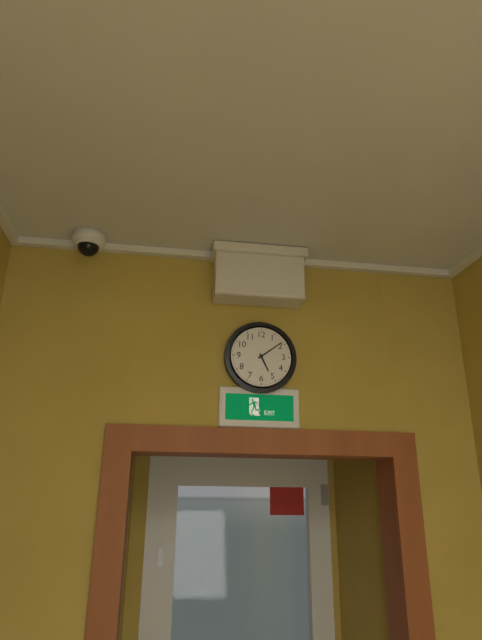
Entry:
5 h 09 min
